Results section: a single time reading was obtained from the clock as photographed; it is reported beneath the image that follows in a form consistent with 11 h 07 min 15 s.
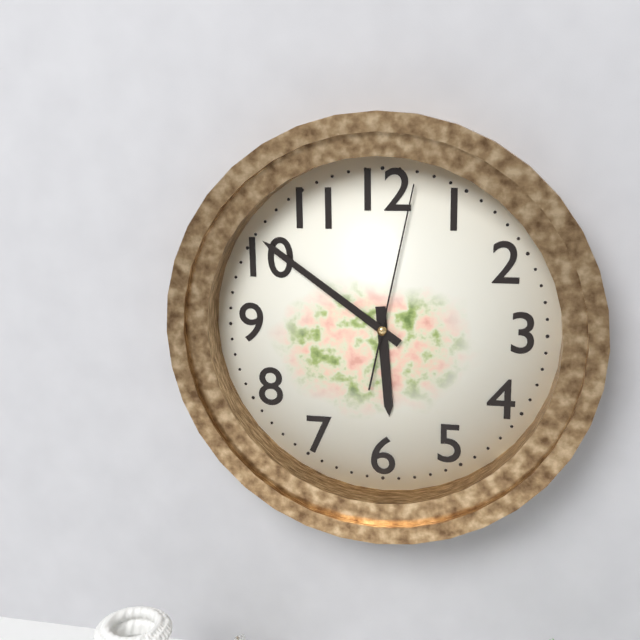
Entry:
5 h 51 min 02 s
